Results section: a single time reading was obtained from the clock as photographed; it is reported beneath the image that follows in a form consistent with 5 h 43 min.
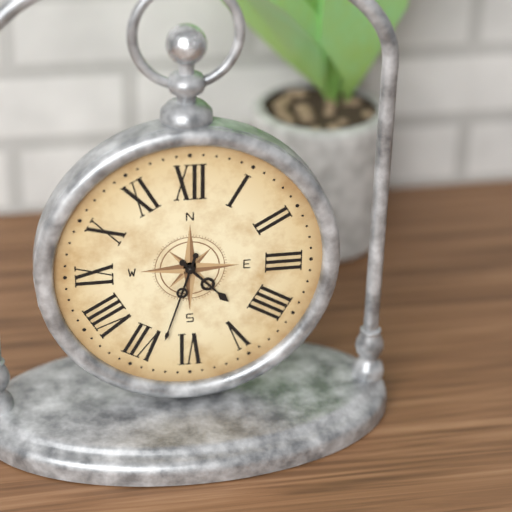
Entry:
4 h 33 min
